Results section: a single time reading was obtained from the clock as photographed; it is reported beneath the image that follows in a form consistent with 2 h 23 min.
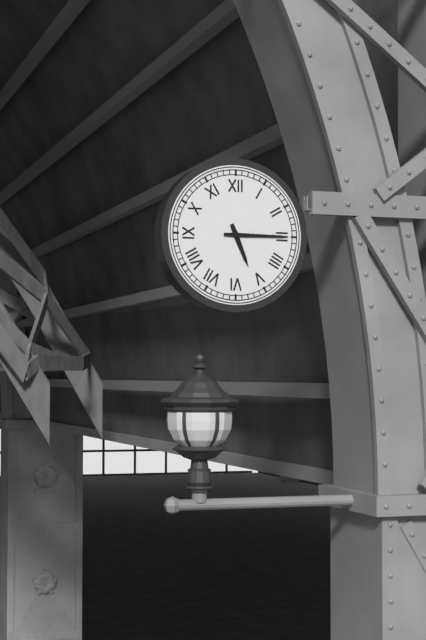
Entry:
5 h 15 min
